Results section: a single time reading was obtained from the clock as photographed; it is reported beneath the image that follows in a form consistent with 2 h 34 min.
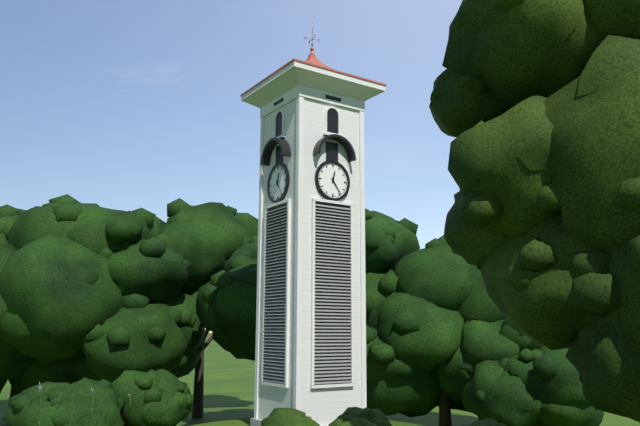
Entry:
12 h 24 min
